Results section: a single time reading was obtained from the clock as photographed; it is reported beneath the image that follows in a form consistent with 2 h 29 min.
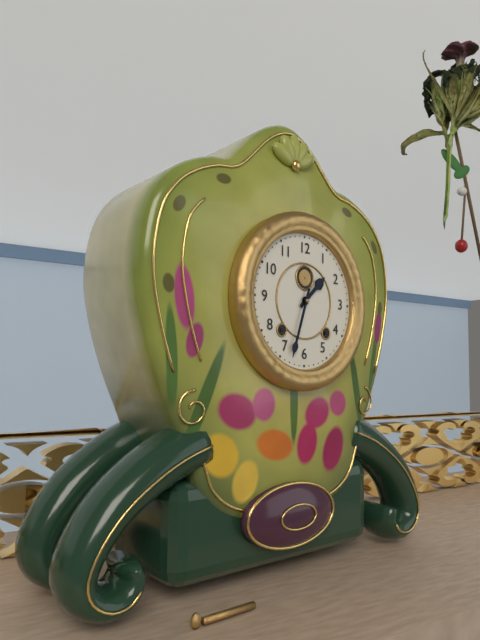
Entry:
1 h 33 min
